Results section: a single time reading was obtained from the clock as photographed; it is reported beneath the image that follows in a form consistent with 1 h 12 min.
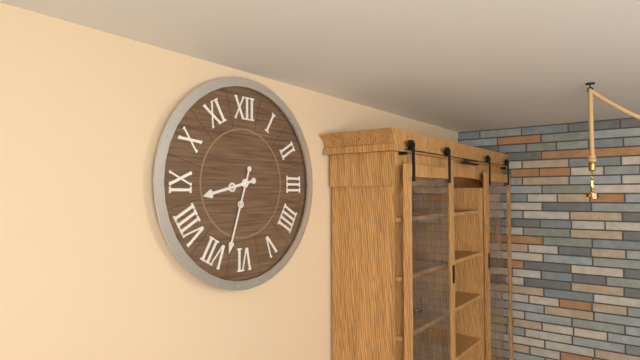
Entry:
8 h 33 min
